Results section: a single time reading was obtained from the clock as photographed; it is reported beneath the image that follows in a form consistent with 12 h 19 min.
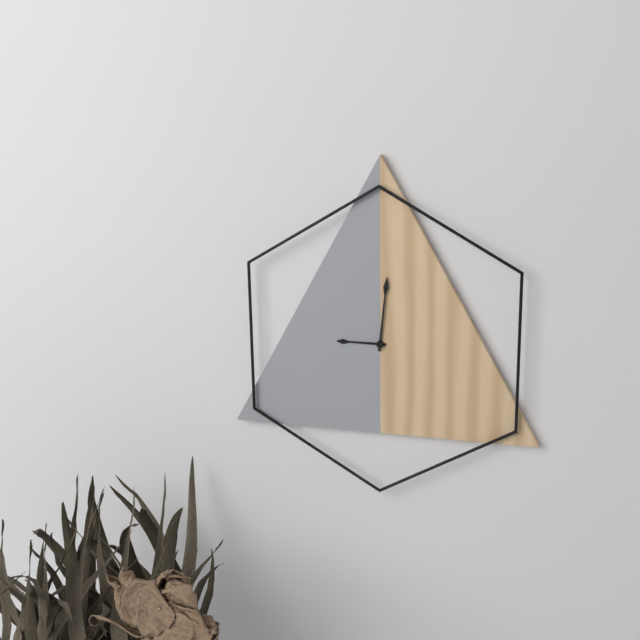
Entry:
9 h 01 min
